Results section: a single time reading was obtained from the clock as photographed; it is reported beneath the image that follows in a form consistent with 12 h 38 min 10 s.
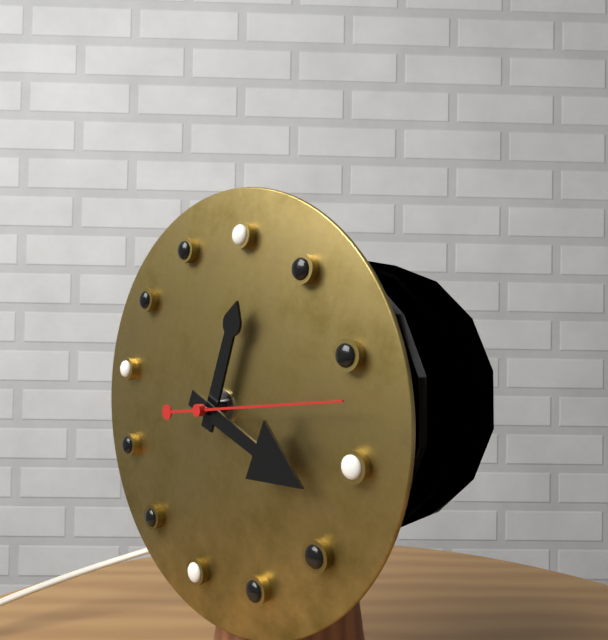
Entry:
12 h 17 min 12 s
